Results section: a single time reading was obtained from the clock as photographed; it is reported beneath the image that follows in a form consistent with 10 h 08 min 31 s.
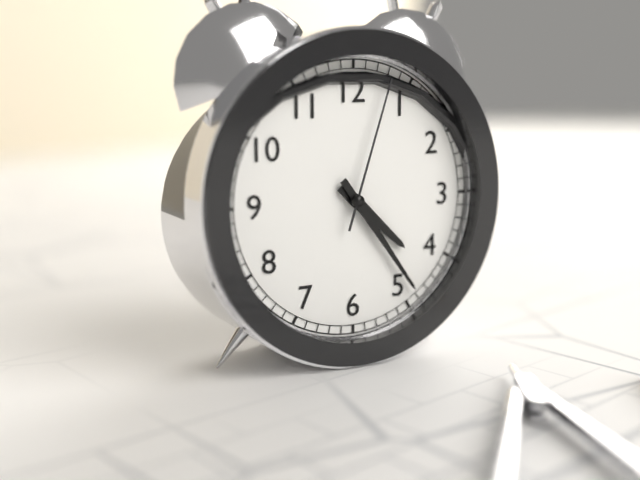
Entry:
4 h 24 min 03 s
